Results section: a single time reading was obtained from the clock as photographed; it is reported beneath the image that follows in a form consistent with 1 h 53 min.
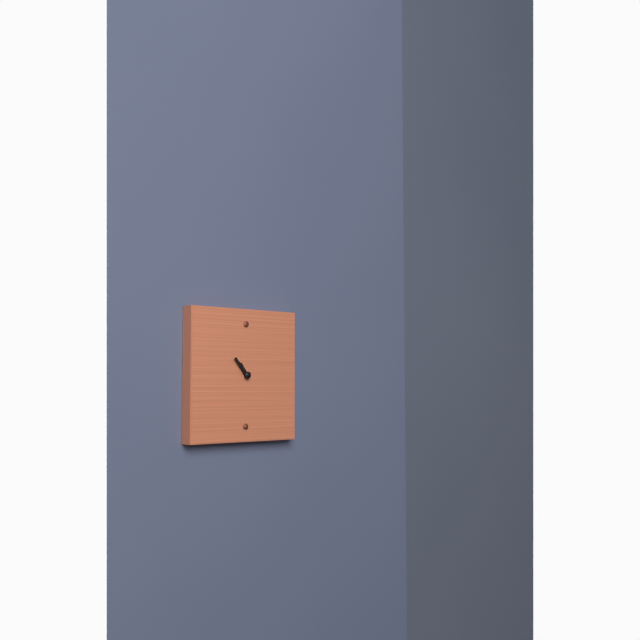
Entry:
10 h 53 min
